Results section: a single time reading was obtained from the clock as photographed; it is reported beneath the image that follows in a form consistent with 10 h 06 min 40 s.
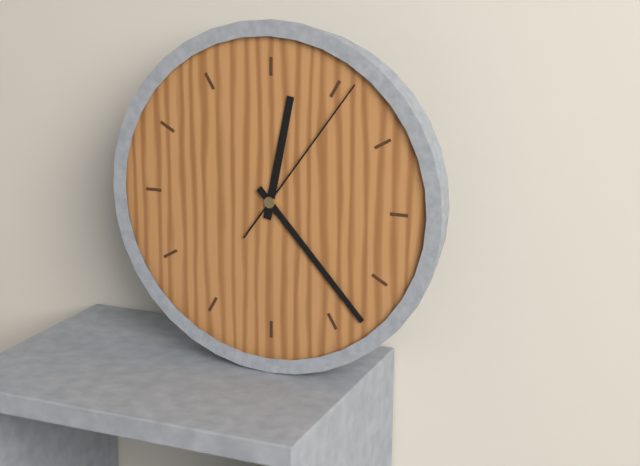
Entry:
12 h 23 min 06 s
